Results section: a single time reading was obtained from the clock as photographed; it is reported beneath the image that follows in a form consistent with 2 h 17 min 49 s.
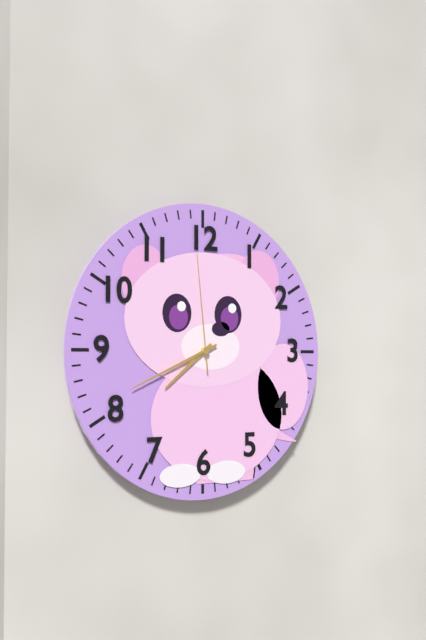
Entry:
7 h 41 min 59 s
